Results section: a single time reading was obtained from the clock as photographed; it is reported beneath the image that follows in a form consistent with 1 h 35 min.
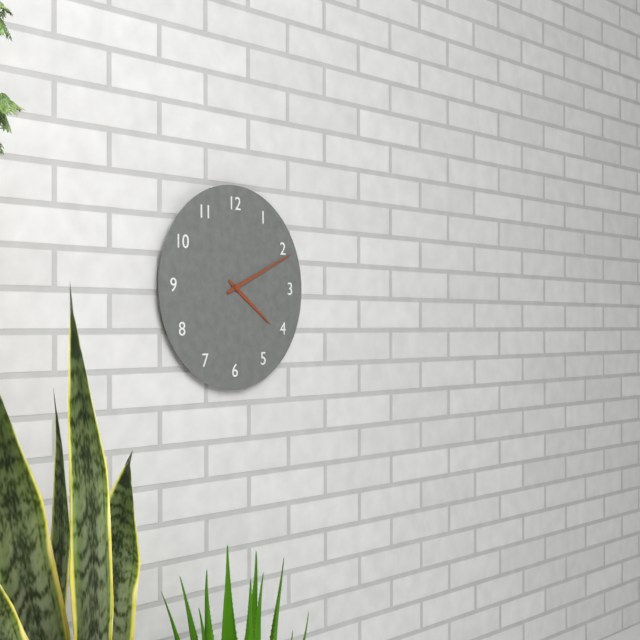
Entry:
4 h 11 min
